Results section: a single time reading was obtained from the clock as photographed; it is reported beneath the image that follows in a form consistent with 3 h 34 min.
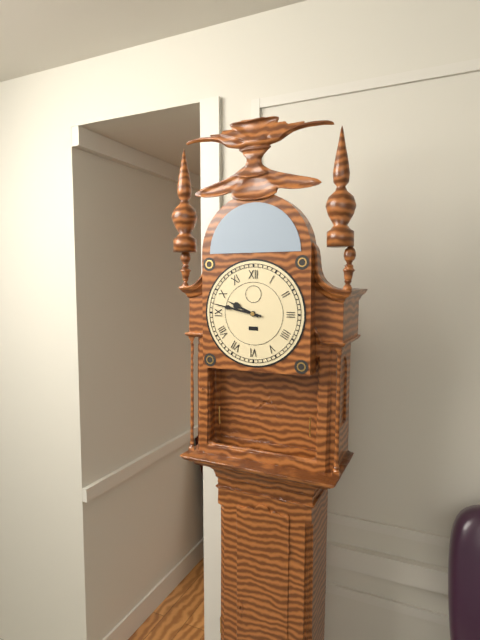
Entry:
9 h 47 min
